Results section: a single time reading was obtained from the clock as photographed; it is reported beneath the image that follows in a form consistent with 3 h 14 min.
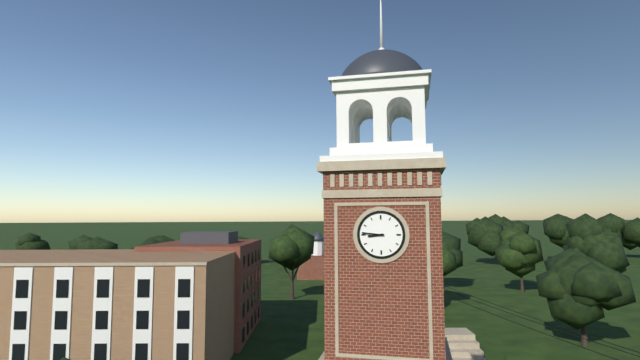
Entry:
8 h 46 min
